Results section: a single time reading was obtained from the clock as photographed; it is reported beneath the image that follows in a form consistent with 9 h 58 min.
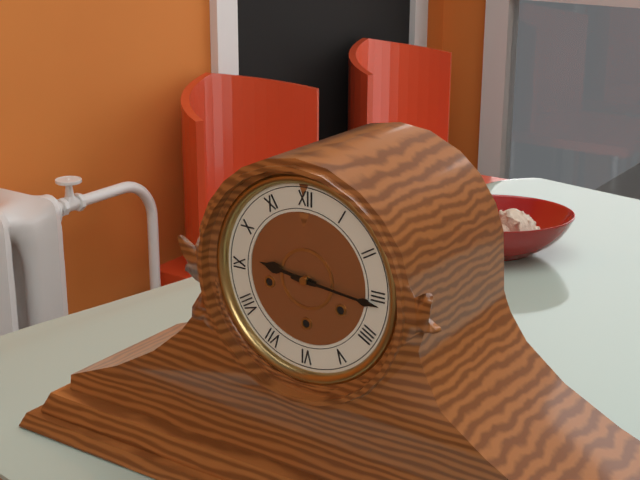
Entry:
9 h 16 min
